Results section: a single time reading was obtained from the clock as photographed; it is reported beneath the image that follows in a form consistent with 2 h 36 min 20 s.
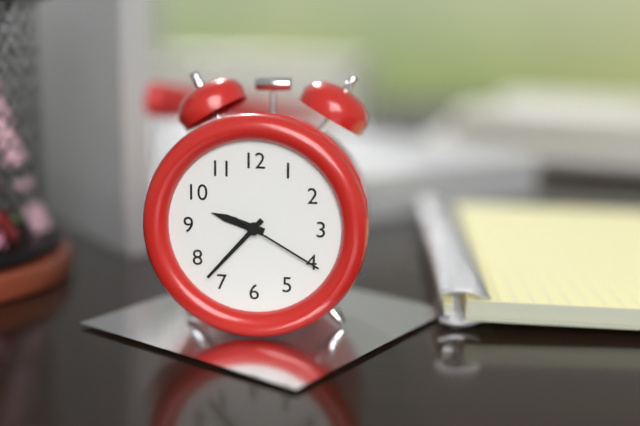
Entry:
9 h 37 min 20 s
